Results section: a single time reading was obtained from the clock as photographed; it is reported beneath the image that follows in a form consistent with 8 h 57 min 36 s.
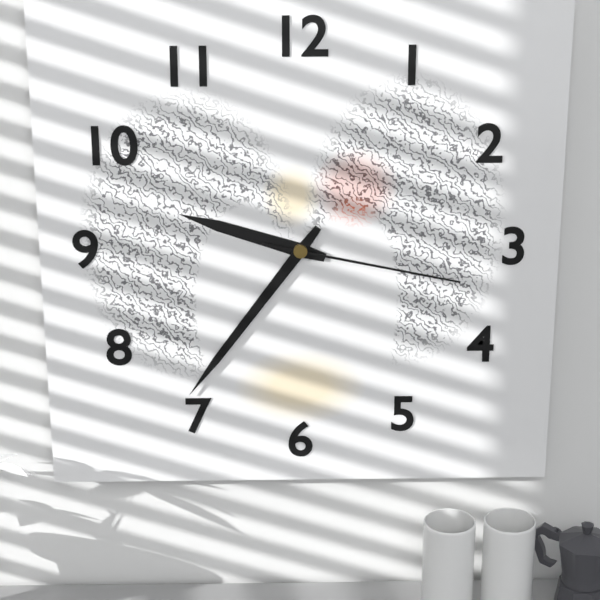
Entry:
9 h 36 min 17 s
